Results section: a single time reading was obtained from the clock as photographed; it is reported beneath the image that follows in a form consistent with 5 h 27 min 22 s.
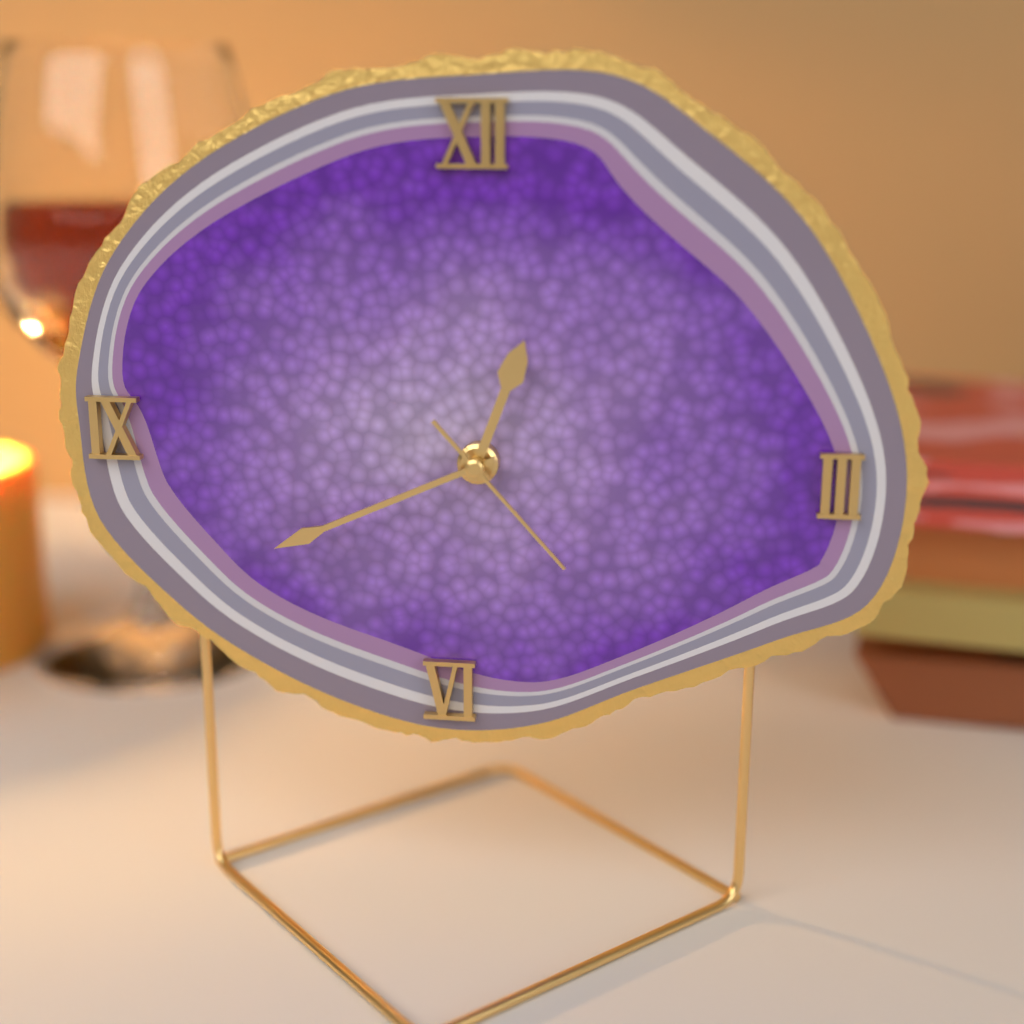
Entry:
12 h 41 min 23 s
